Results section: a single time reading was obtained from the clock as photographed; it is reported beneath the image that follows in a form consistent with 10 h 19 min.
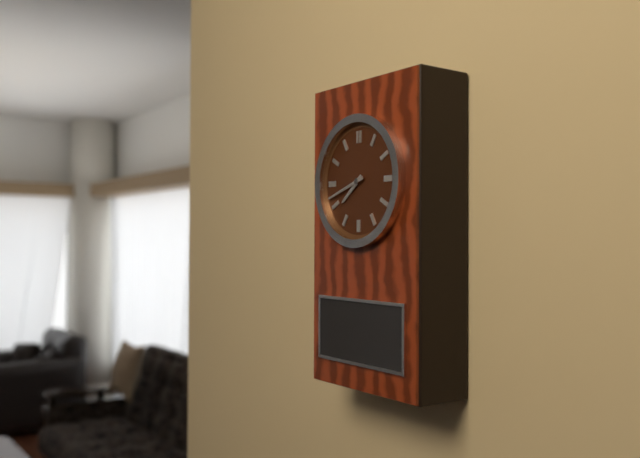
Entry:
7 h 42 min
